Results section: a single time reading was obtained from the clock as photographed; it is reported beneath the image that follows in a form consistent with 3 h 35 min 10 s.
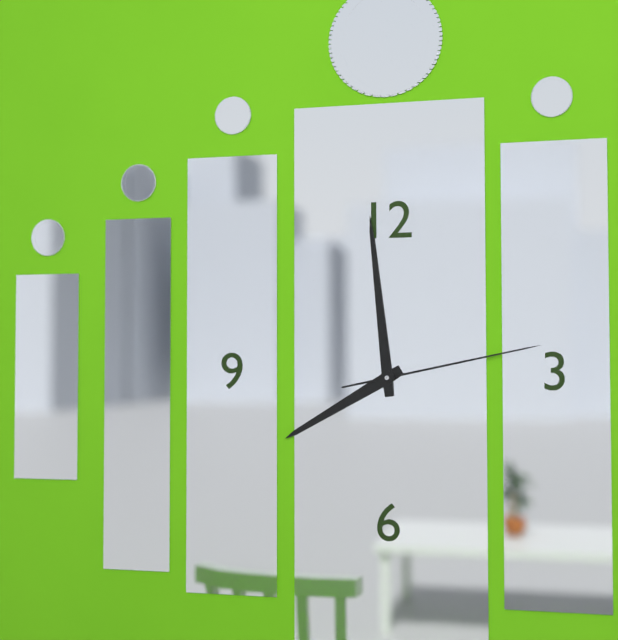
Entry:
7 h 59 min 13 s
